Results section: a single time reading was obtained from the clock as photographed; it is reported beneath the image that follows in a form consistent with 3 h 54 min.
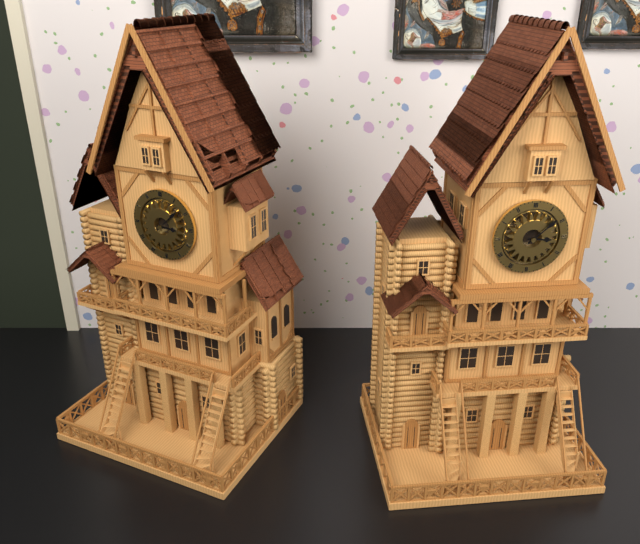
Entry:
3 h 08 min
